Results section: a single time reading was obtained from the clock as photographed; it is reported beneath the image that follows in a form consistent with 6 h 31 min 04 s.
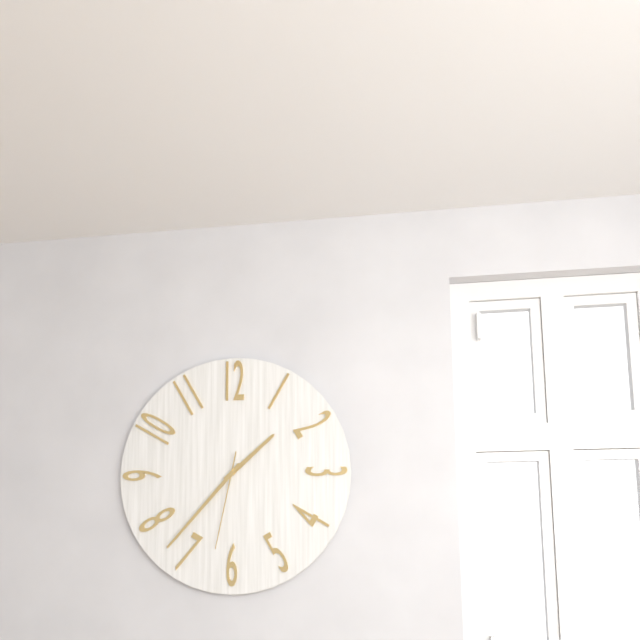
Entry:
1 h 37 min 32 s
